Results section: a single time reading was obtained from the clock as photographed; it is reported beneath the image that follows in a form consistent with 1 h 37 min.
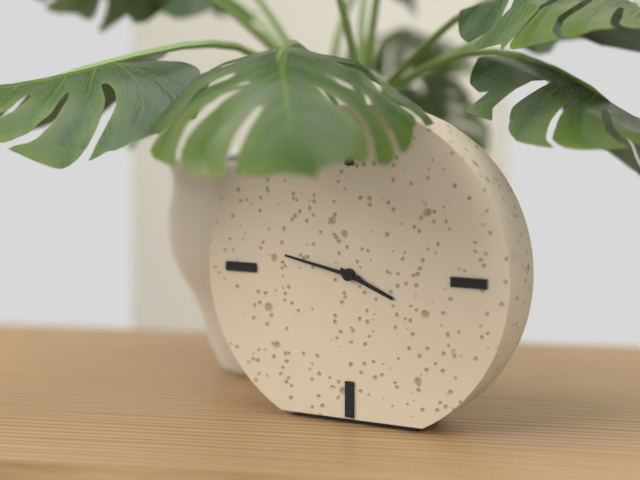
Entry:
3 h 47 min
